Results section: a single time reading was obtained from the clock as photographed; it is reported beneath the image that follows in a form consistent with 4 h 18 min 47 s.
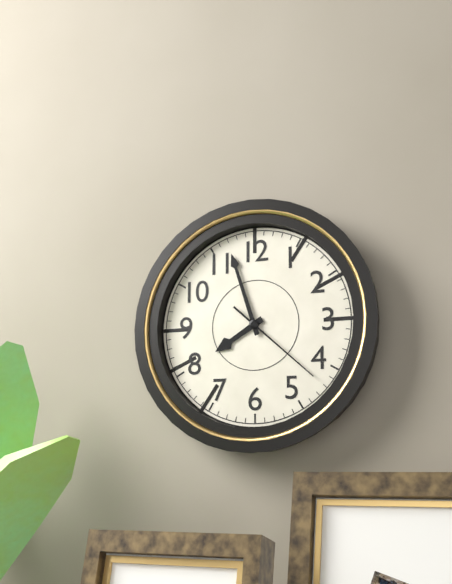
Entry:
7 h 57 min 22 s
